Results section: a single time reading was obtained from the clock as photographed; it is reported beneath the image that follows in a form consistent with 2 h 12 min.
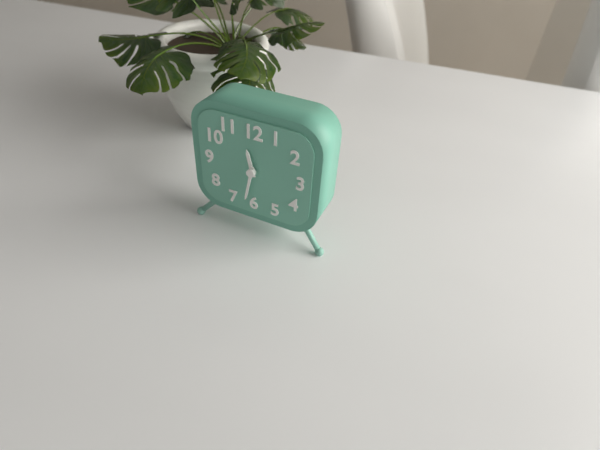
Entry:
11 h 32 min
